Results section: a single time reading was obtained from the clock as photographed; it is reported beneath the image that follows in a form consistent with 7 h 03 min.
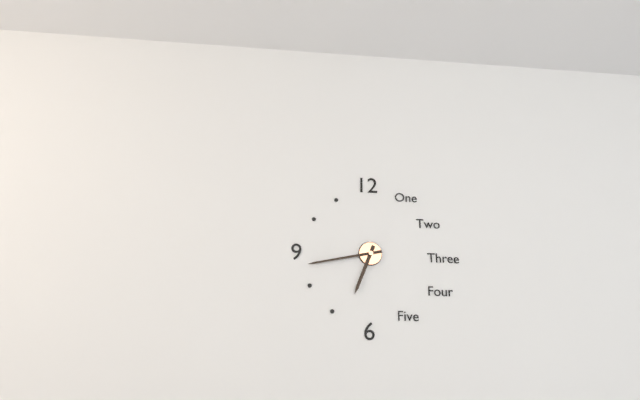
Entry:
6 h 43 min
